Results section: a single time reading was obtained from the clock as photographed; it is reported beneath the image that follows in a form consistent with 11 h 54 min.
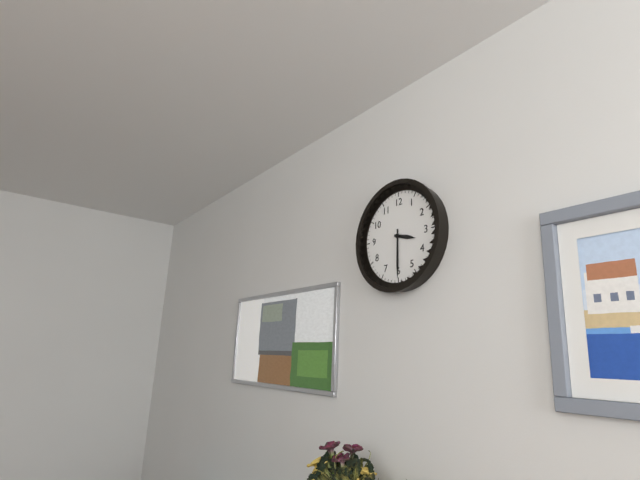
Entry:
3 h 30 min
